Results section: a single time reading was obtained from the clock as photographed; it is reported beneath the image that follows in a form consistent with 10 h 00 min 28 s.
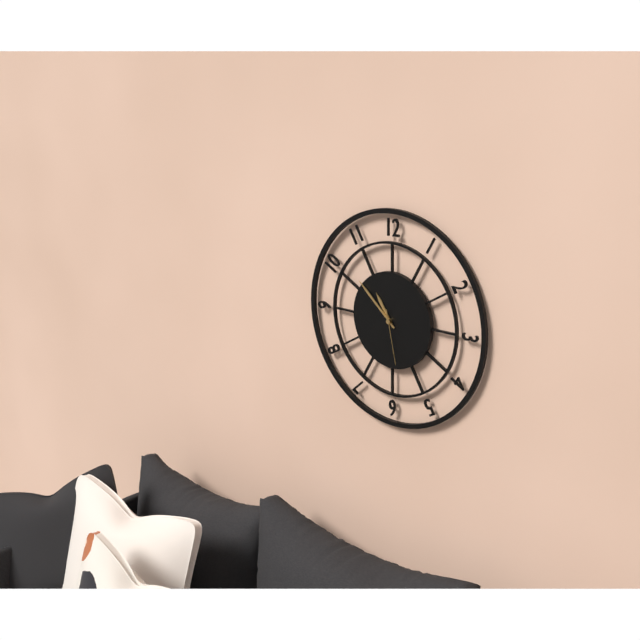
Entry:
10 h 52 min 28 s
